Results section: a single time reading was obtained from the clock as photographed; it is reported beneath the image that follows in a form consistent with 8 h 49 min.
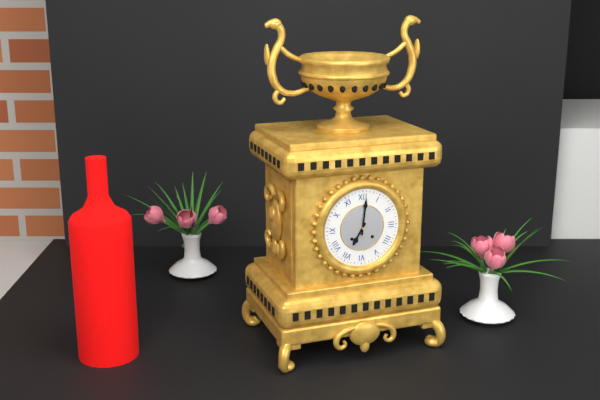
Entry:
7 h 01 min
